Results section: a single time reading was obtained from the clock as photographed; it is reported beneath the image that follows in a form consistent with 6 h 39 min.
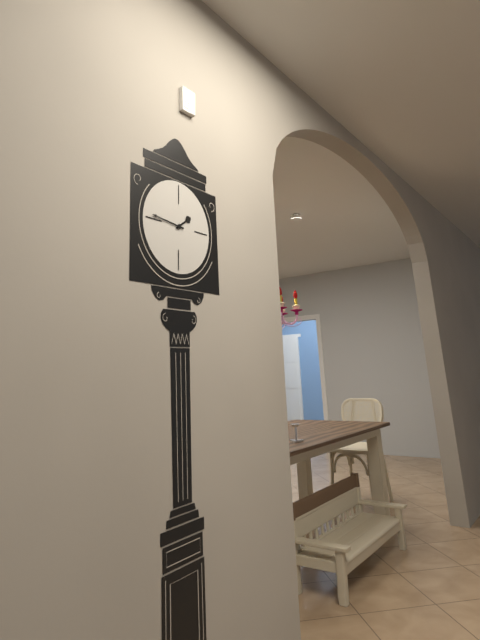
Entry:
1 h 46 min
